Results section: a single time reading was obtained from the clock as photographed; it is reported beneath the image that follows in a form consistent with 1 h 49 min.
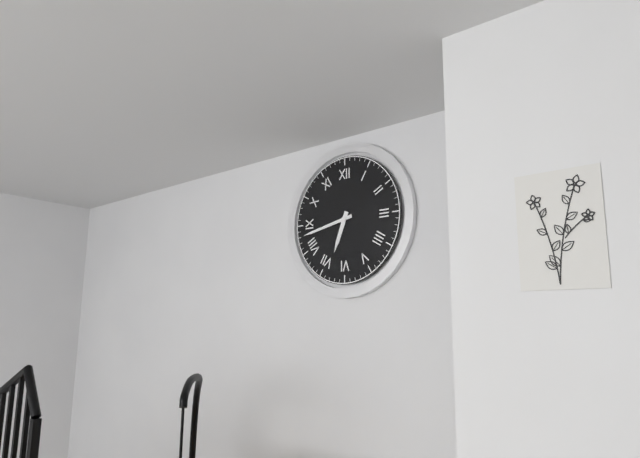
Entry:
6 h 43 min
